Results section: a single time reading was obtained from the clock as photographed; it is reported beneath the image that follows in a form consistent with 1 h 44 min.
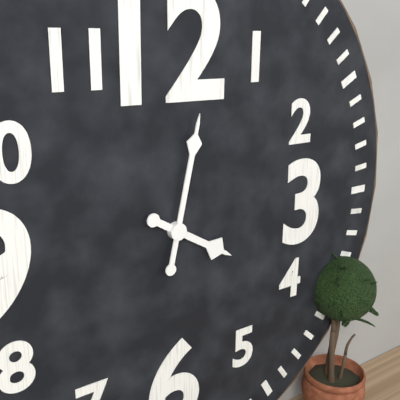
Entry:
4 h 02 min
